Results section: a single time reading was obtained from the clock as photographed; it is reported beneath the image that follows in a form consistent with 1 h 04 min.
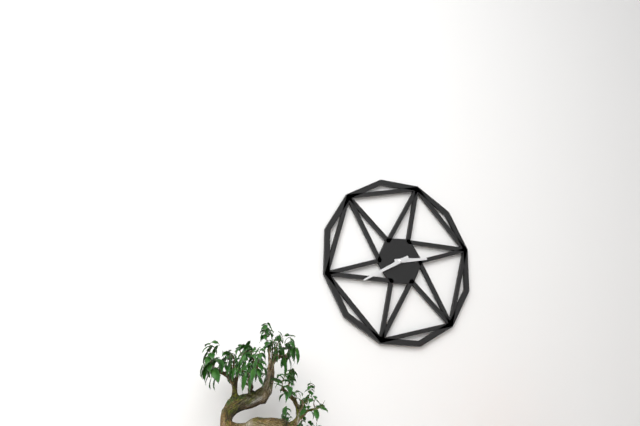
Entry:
2 h 40 min
